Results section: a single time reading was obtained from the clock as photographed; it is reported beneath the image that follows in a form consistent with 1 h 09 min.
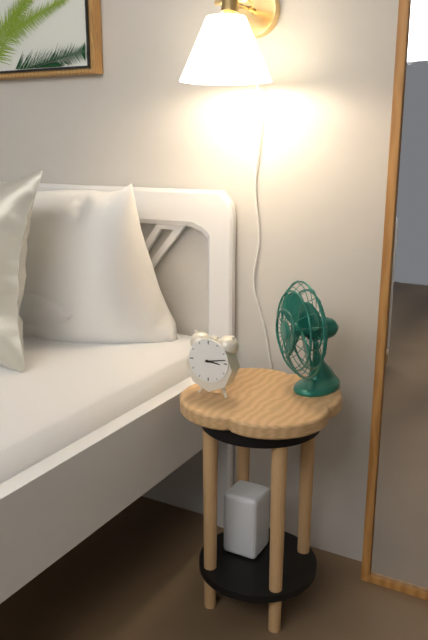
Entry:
3 h 13 min
